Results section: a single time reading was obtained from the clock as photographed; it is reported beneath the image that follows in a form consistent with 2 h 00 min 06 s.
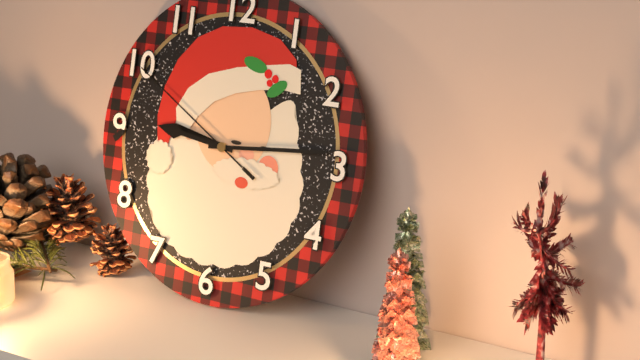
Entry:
9 h 14 min 50 s
